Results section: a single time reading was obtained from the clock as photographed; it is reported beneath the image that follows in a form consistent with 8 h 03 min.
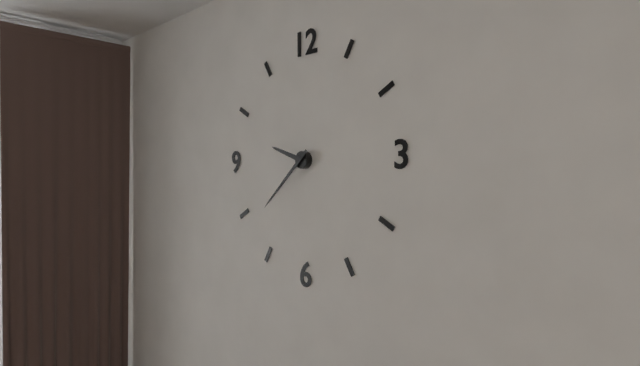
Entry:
9 h 38 min
